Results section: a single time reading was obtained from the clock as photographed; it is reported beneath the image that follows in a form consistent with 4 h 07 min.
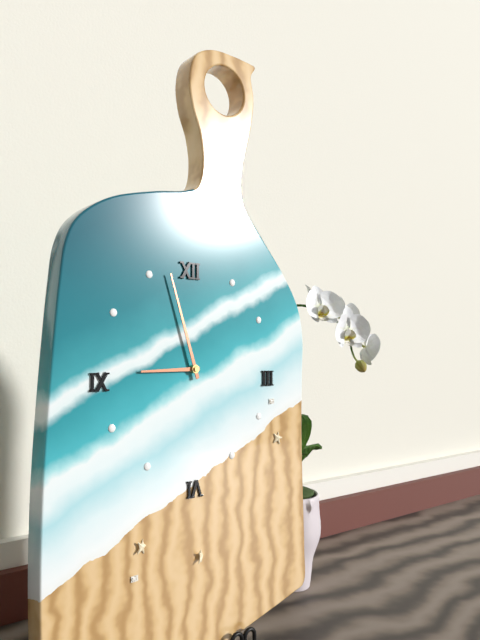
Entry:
8 h 57 min
